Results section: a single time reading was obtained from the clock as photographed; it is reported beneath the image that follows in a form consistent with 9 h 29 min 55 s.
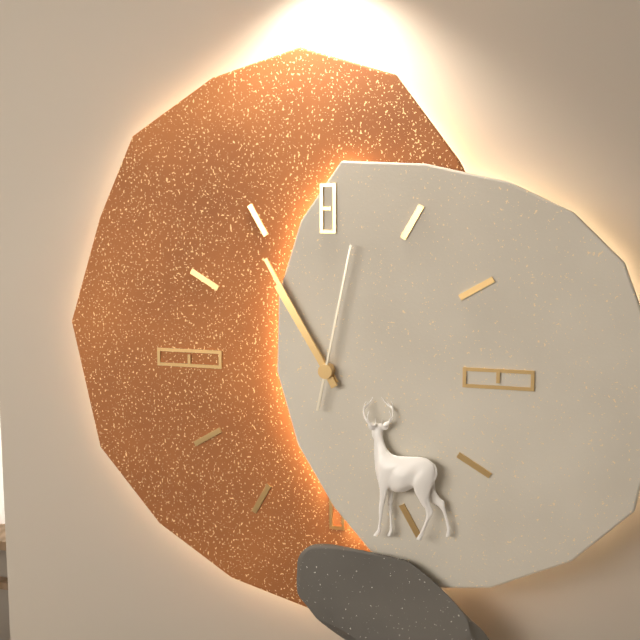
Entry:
10 h 55 min 02 s
